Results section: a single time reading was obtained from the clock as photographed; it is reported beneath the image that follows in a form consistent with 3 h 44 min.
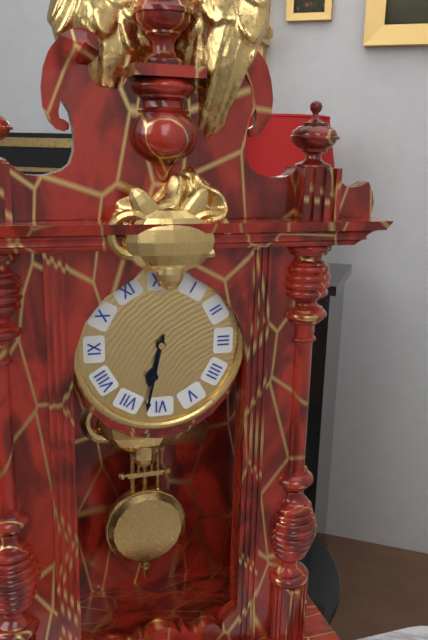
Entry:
6 h 32 min
